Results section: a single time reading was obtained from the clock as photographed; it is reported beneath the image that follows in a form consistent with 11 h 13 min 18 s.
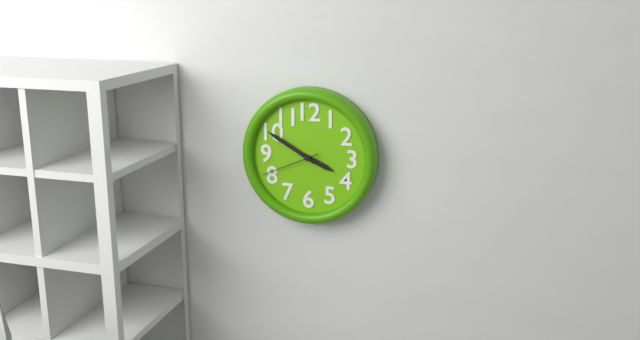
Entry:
3 h 50 min 41 s
